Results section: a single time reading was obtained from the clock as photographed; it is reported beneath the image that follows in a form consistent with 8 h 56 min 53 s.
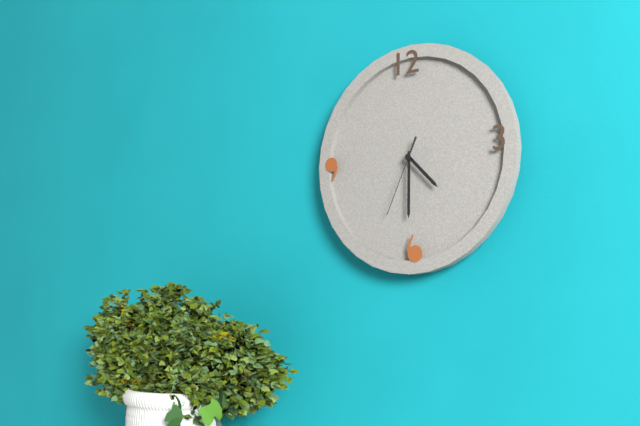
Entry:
4 h 30 min 34 s
